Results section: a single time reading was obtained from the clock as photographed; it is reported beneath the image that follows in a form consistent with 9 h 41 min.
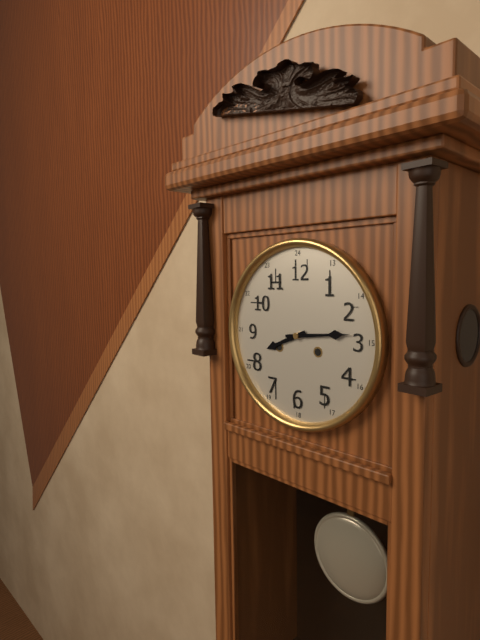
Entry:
8 h 14 min
